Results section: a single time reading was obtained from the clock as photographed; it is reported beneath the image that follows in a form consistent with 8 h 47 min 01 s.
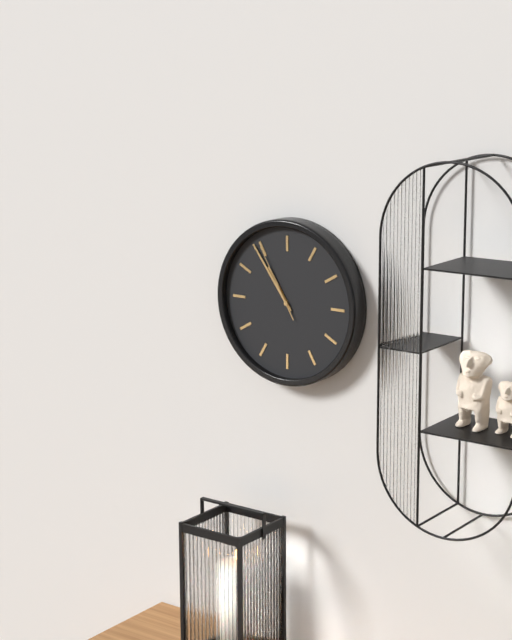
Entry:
10 h 54 min 55 s
